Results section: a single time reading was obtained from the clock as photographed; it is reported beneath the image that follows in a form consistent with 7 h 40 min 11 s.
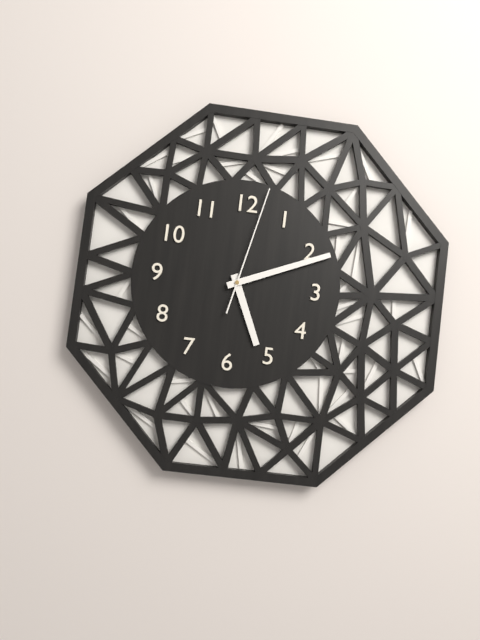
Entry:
5 h 11 min 02 s
